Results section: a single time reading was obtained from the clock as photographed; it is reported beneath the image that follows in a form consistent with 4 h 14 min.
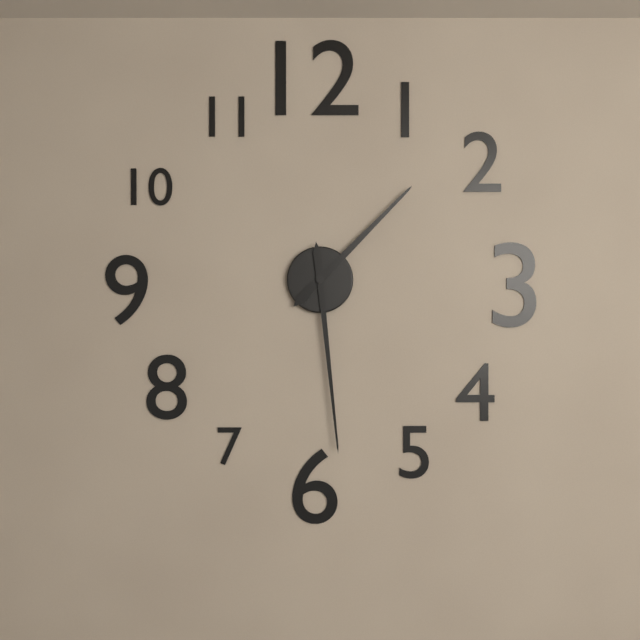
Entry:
1 h 29 min
